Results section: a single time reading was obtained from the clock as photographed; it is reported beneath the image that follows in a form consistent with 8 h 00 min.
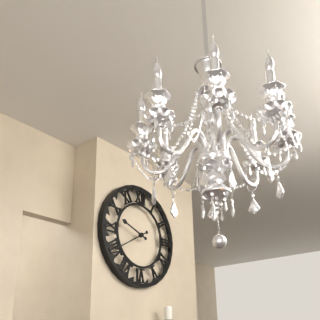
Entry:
9 h 40 min
